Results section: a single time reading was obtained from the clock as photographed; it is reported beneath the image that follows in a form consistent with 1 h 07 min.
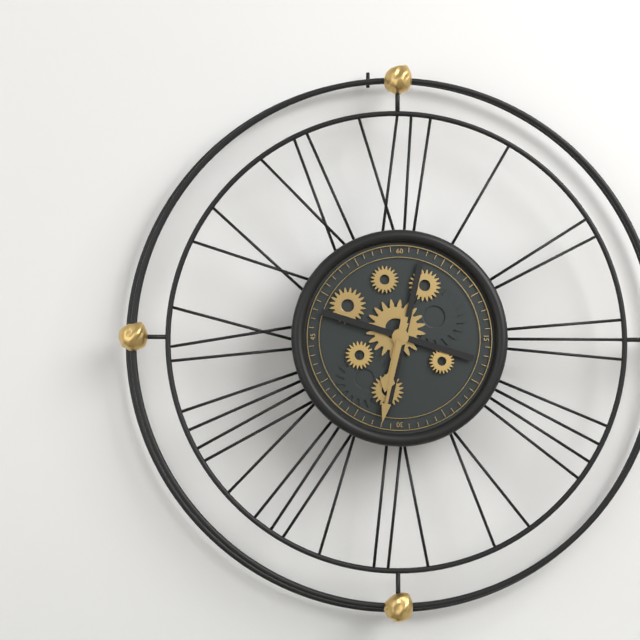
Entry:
6 h 32 min
